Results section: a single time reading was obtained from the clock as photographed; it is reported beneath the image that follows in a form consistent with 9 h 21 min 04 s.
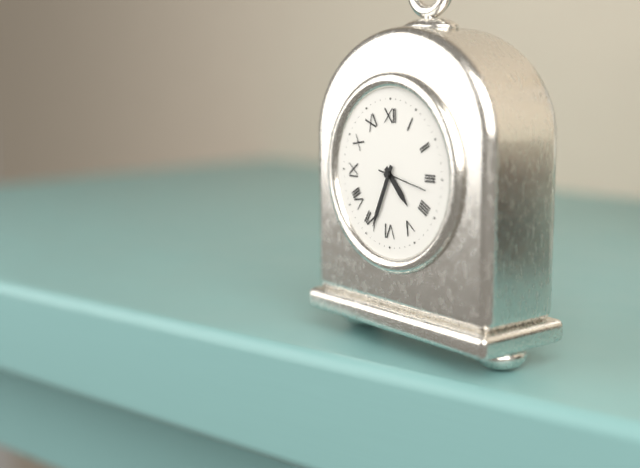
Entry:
4 h 34 min 17 s
